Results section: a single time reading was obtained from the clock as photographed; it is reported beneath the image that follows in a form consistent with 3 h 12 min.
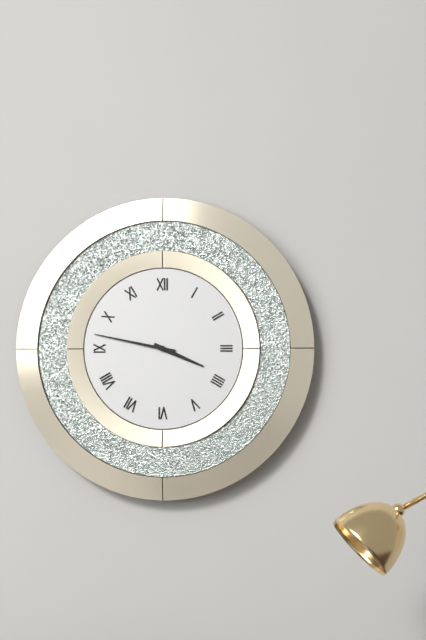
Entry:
3 h 47 min
